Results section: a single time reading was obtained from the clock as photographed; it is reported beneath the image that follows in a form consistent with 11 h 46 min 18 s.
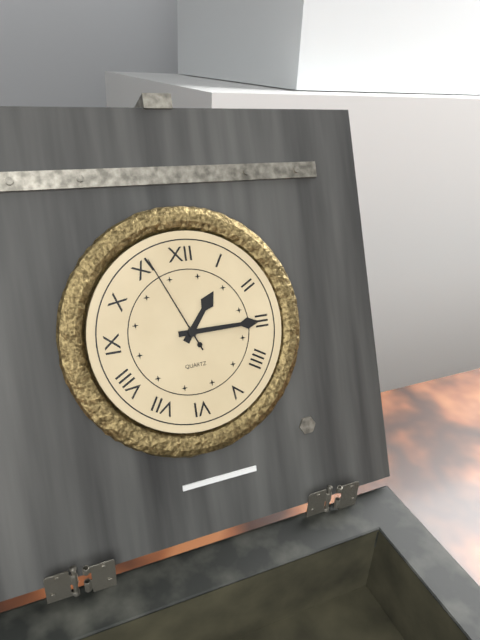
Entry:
1 h 15 min 56 s
